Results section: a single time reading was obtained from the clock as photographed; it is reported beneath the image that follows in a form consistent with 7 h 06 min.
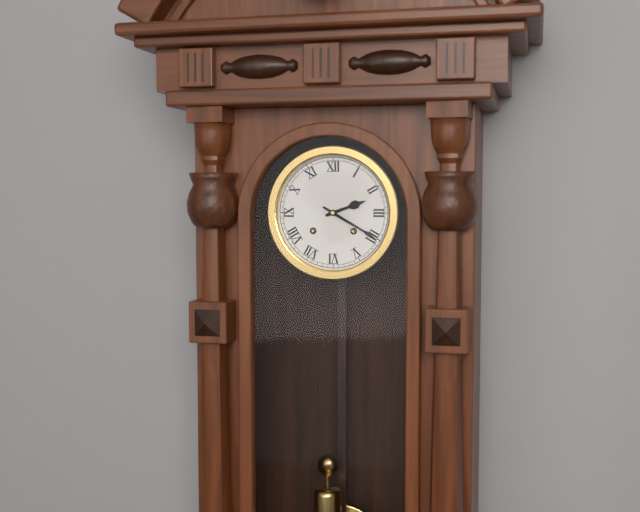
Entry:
2 h 20 min
